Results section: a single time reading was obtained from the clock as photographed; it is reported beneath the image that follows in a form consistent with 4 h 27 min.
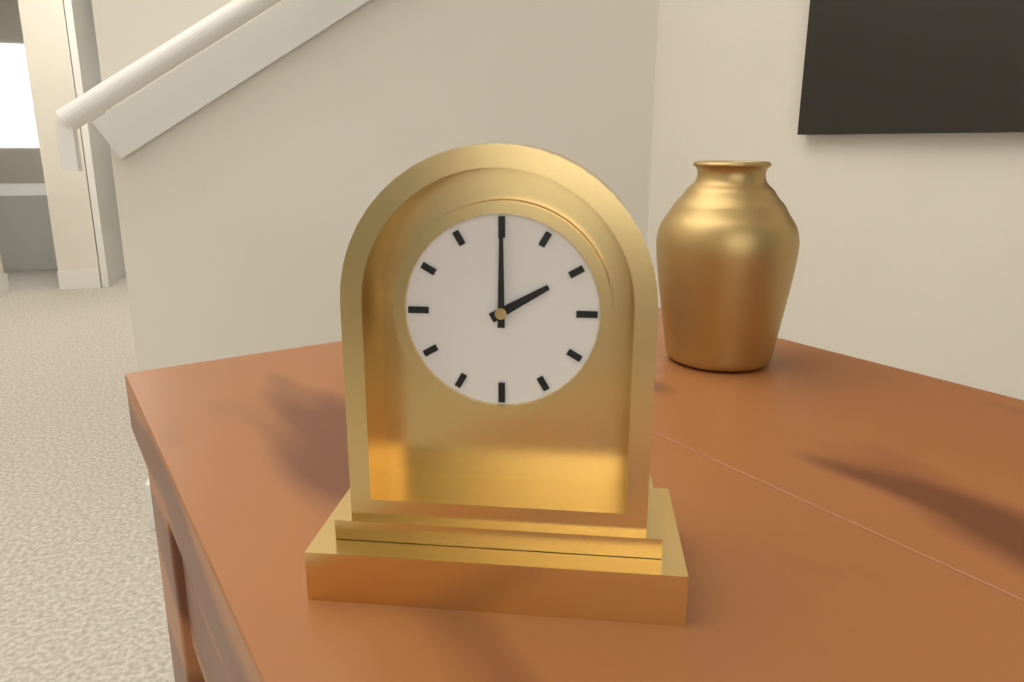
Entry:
2 h 00 min
